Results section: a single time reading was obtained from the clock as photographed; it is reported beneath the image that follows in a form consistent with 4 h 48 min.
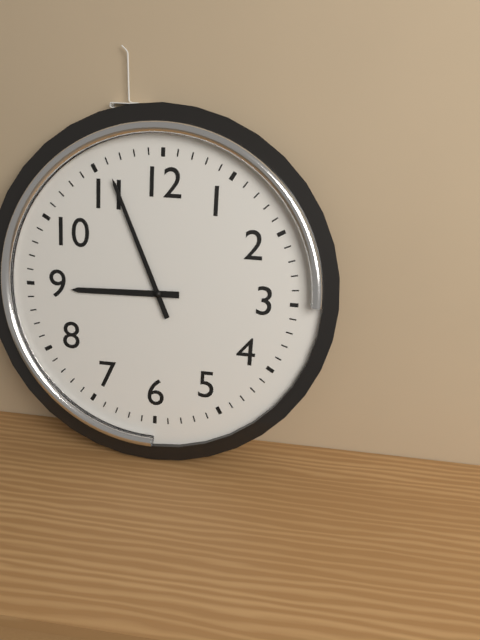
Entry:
8 h 56 min
